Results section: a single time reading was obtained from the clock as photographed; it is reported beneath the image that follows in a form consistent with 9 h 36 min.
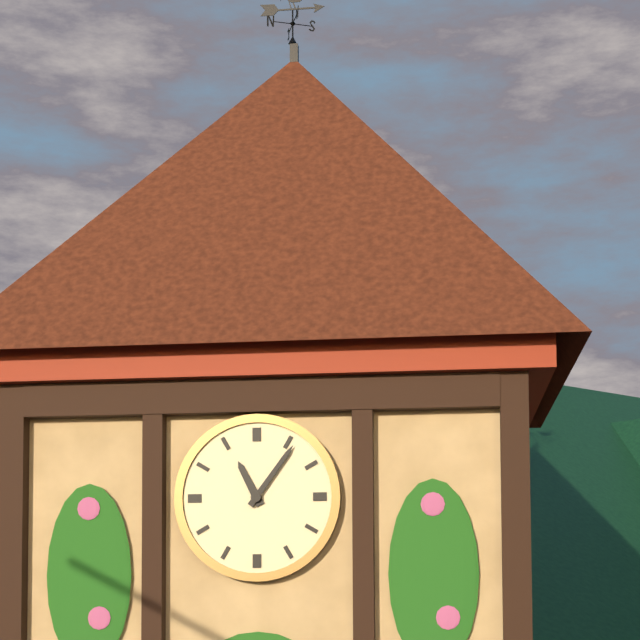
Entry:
11 h 06 min
